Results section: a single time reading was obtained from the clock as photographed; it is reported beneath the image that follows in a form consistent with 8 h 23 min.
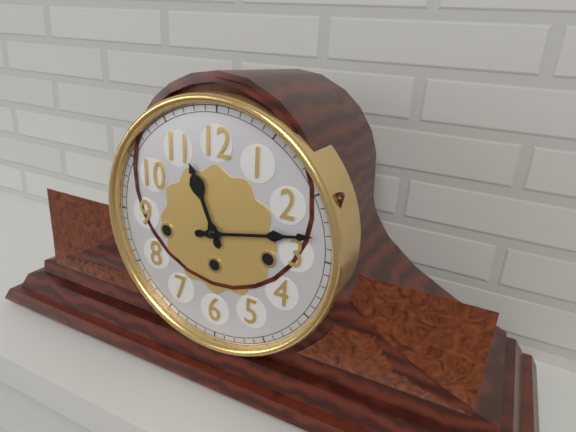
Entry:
11 h 13 min
